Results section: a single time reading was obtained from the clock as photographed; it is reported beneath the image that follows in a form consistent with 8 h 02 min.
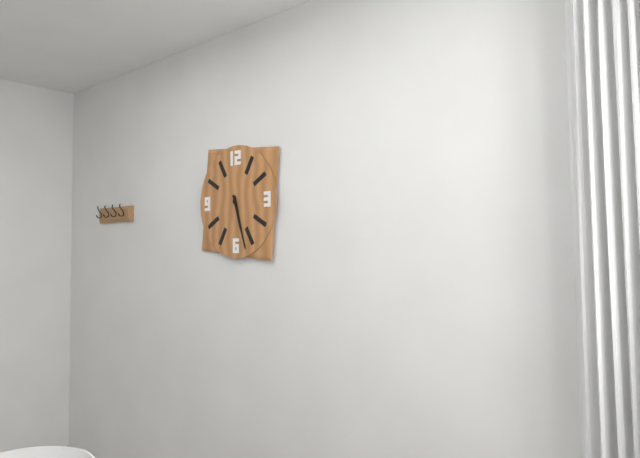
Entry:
5 h 27 min
